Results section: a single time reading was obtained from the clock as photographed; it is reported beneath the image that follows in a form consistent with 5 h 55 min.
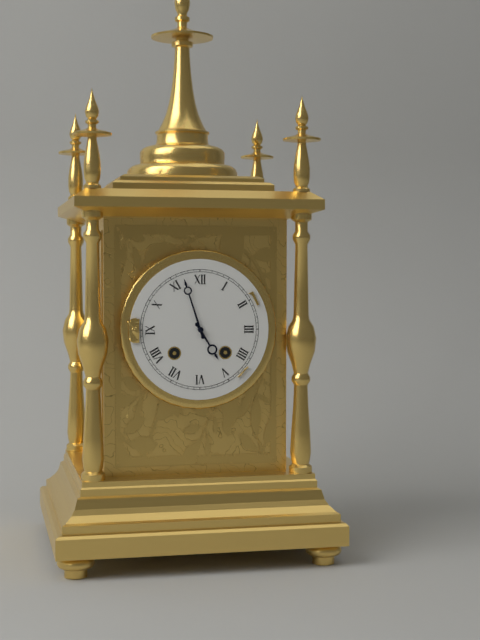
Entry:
4 h 57 min
